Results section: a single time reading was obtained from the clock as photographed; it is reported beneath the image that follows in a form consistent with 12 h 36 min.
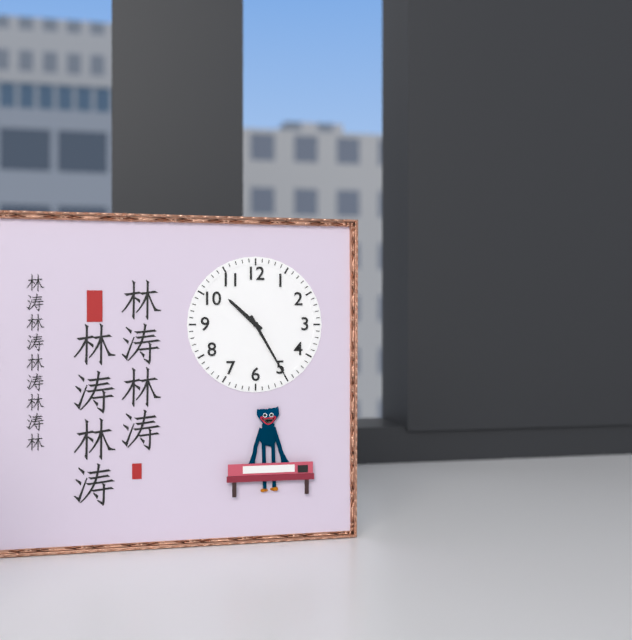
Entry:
10 h 25 min
